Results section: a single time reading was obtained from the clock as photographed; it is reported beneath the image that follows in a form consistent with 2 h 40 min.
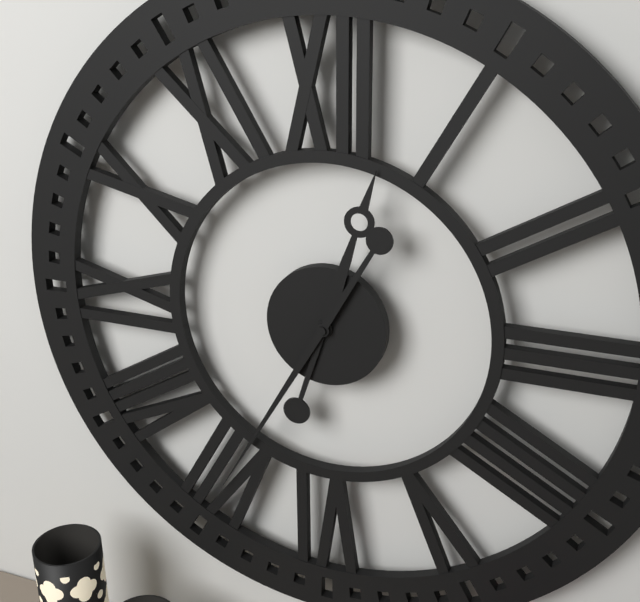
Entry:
12 h 35 min
